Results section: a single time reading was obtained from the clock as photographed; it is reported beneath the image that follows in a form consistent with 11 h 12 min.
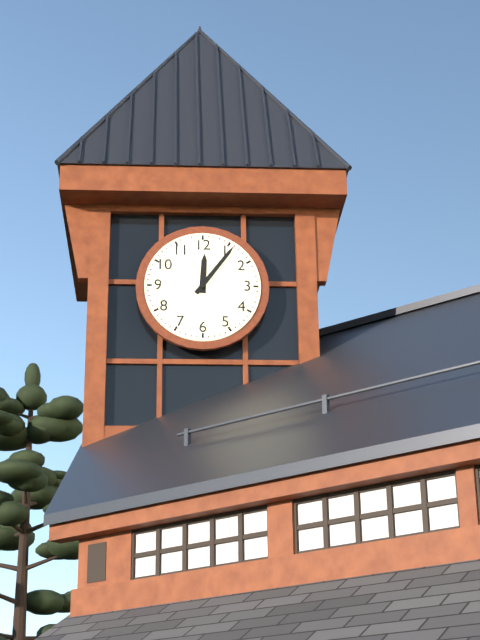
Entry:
12 h 06 min
